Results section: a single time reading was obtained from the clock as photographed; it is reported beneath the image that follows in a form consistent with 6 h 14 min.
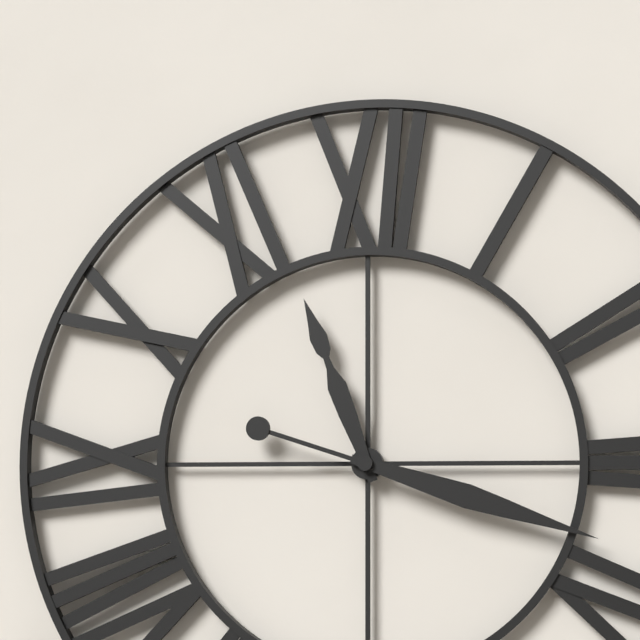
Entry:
11 h 18 min
